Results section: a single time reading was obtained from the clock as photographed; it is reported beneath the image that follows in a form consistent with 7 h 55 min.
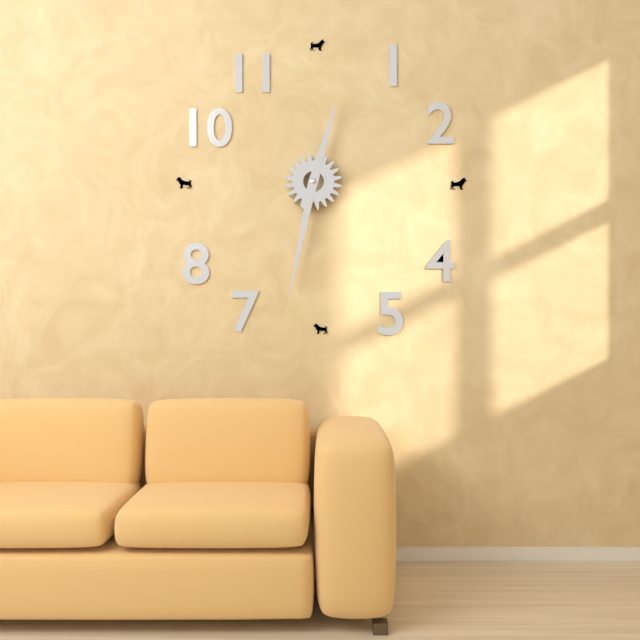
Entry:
12 h 32 min
